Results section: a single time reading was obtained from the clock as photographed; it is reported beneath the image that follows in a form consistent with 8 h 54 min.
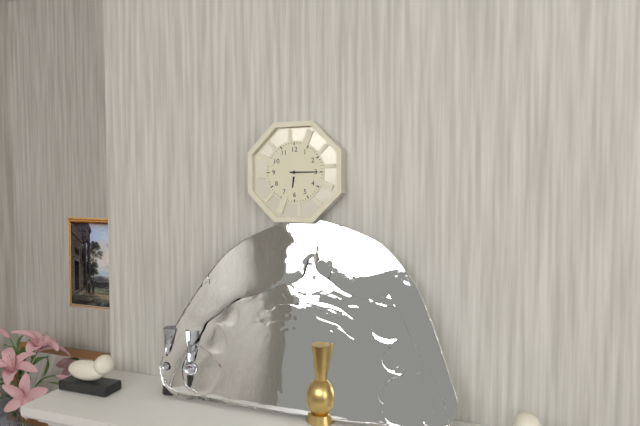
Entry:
6 h 15 min
